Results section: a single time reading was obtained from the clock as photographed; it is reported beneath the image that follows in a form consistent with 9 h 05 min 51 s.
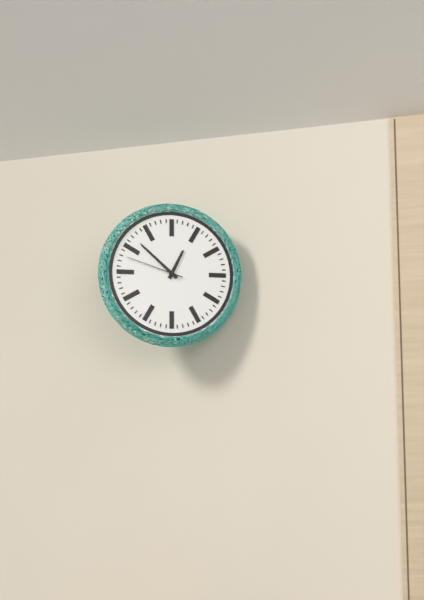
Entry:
12 h 52 min 48 s
